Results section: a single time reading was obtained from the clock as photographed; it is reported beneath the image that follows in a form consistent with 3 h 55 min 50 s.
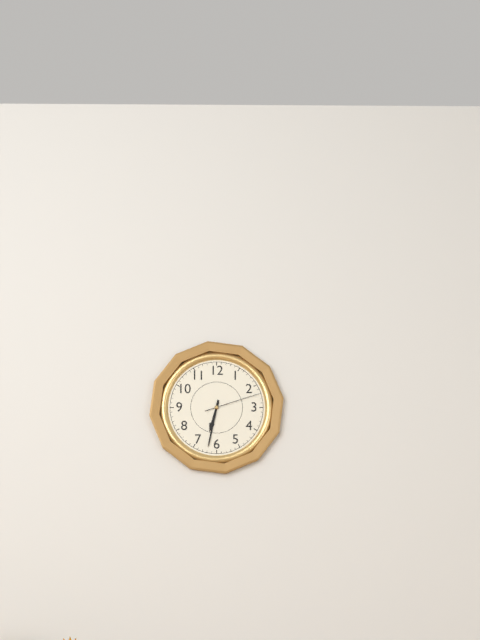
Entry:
6 h 32 min 12 s
